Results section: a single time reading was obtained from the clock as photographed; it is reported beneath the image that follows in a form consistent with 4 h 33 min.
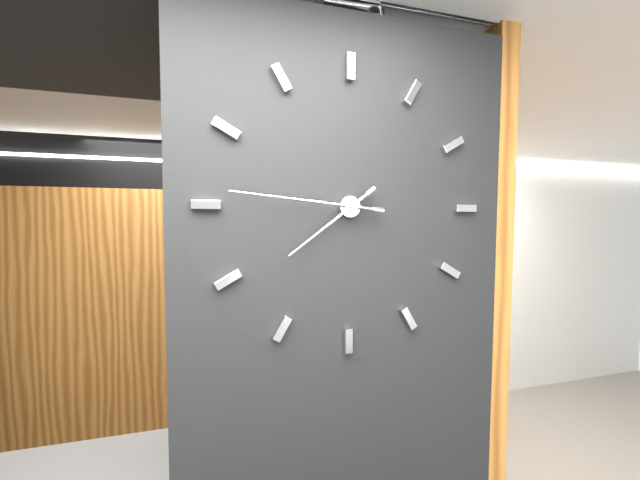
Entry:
7 h 46 min
